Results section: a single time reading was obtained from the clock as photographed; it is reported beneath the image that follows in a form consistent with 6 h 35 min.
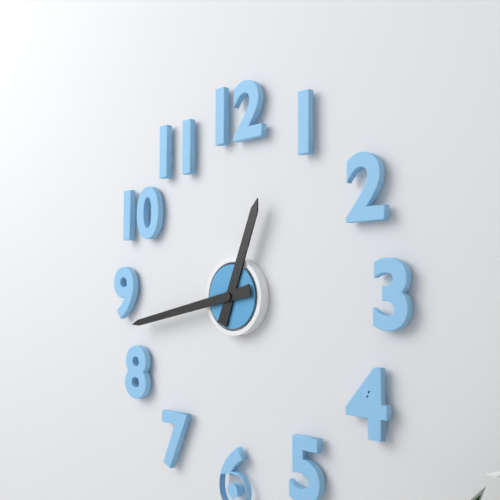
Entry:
12 h 43 min
